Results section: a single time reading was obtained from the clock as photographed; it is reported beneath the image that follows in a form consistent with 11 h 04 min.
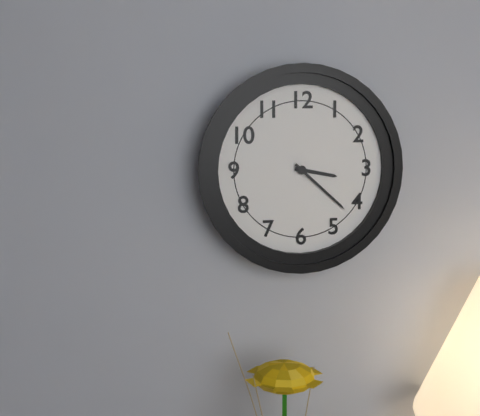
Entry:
3 h 22 min
